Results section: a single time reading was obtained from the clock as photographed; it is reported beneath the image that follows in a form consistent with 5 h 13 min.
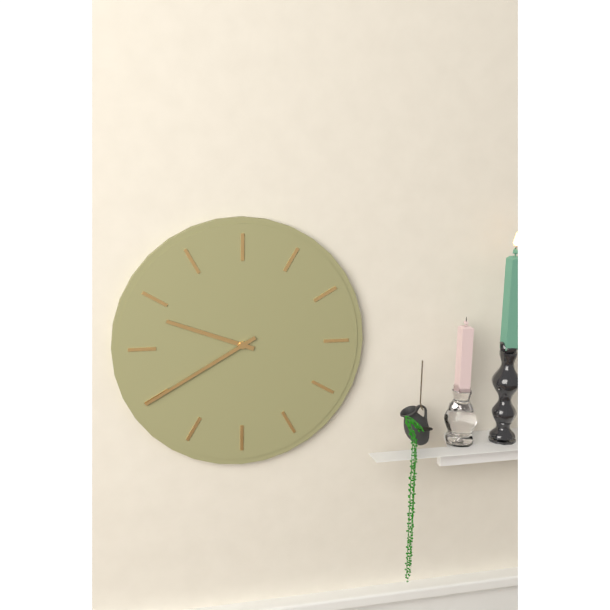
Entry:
9 h 40 min
